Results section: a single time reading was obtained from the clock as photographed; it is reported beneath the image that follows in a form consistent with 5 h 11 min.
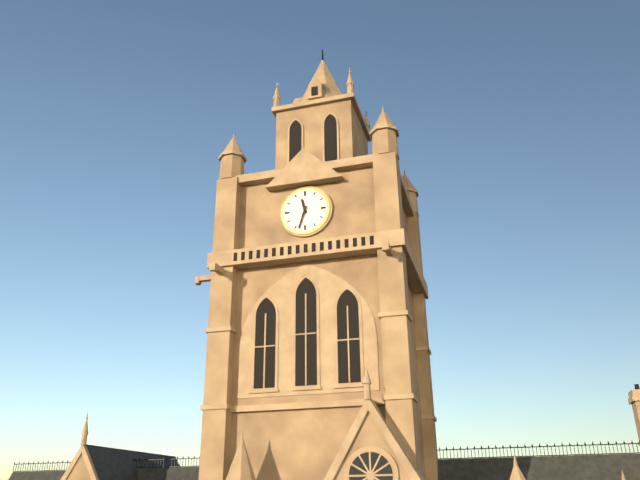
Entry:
11 h 33 min
